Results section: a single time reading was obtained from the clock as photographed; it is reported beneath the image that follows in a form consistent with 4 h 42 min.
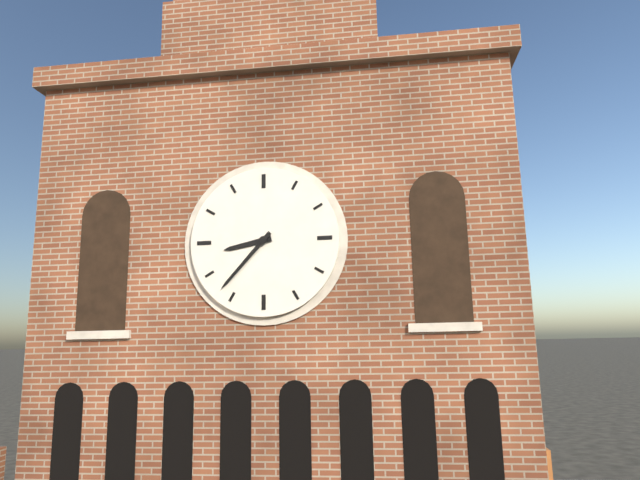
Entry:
8 h 37 min
